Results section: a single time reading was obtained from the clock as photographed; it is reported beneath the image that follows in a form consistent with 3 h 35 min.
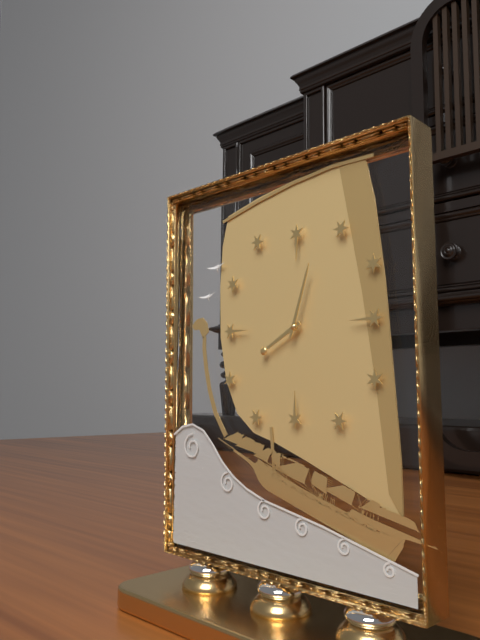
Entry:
8 h 03 min
